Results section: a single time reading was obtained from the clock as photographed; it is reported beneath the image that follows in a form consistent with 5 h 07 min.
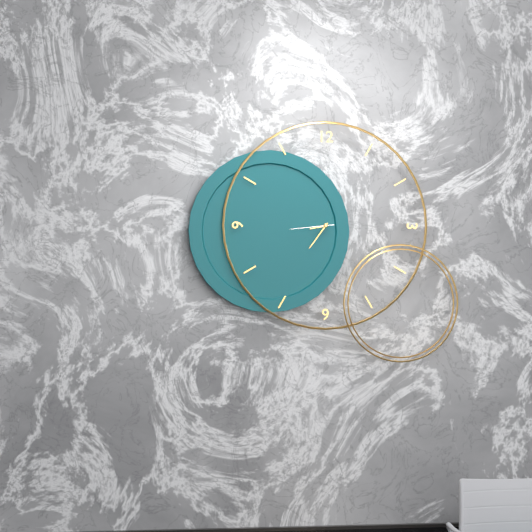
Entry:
8 h 36 min
